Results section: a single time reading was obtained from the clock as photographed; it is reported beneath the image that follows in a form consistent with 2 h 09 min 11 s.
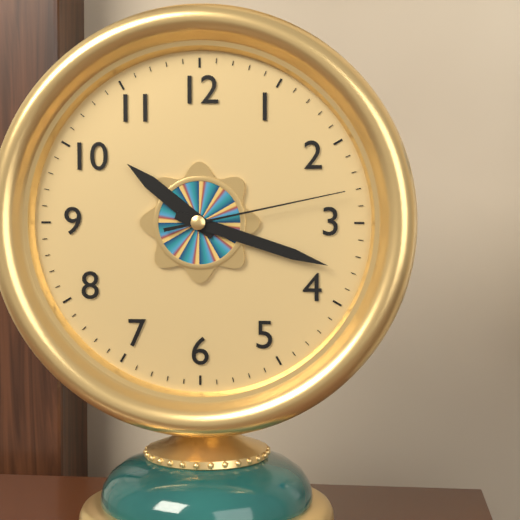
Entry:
10 h 18 min 13 s
